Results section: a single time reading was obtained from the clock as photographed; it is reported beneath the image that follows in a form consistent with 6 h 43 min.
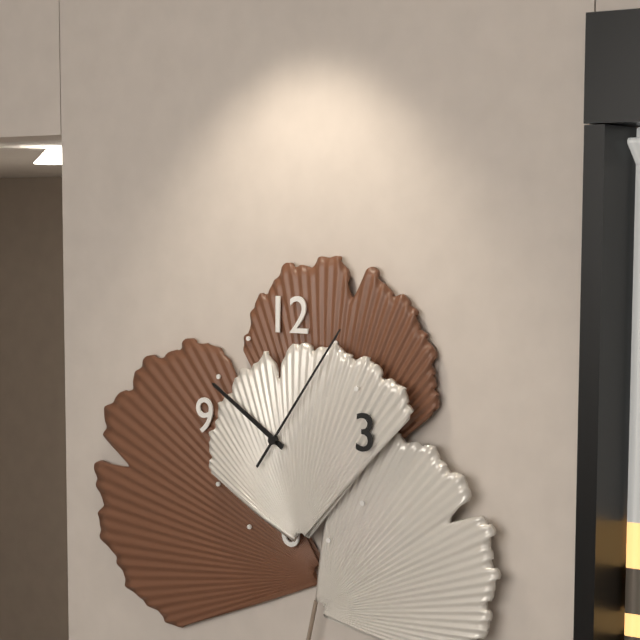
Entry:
10 h 06 min
